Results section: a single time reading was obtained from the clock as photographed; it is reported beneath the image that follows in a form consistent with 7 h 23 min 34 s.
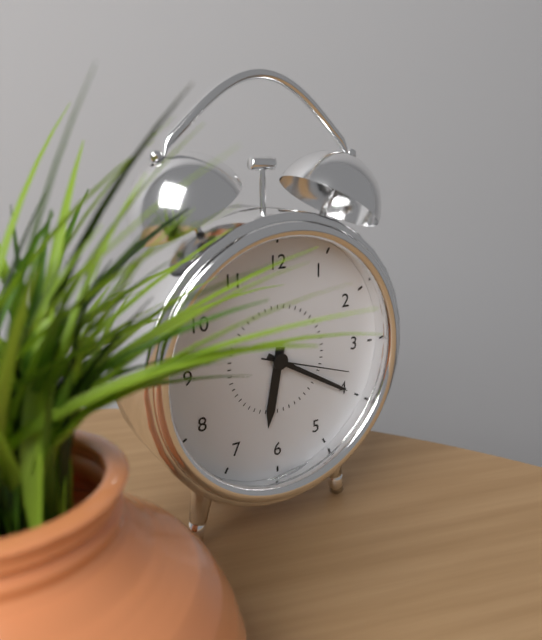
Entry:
6 h 20 min 18 s
